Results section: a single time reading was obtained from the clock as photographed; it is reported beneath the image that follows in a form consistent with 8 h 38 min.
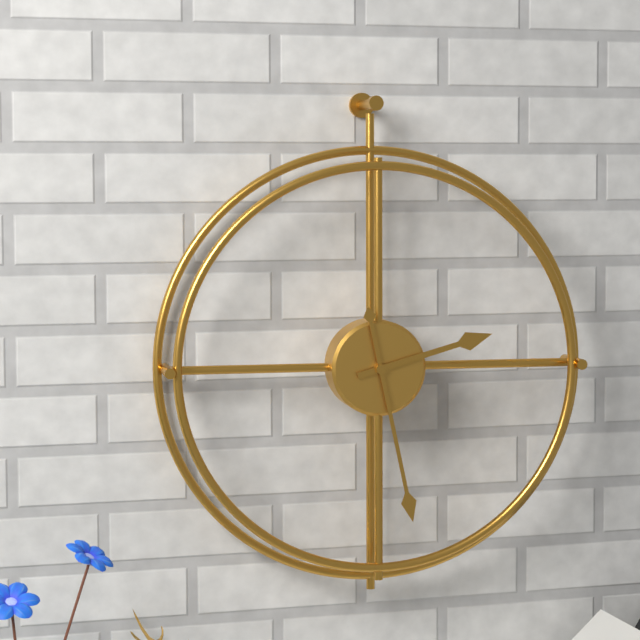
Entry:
2 h 28 min
